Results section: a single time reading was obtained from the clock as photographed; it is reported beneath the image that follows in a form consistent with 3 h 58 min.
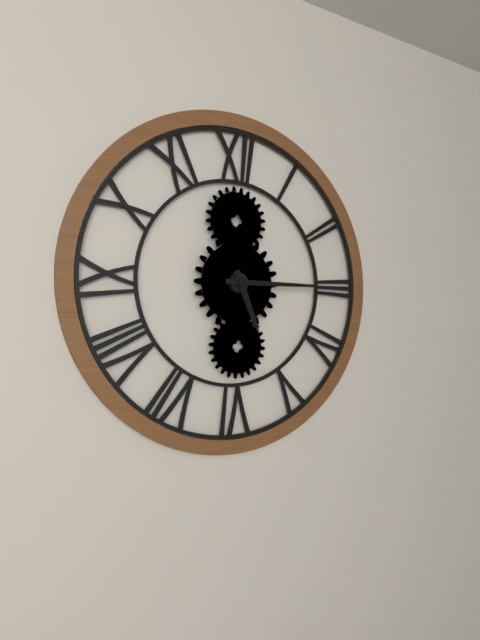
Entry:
5 h 15 min
